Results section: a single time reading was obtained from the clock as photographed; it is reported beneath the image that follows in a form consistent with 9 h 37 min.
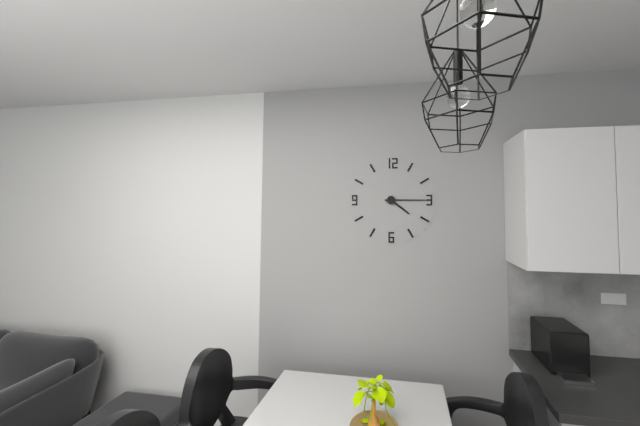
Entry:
4 h 15 min
